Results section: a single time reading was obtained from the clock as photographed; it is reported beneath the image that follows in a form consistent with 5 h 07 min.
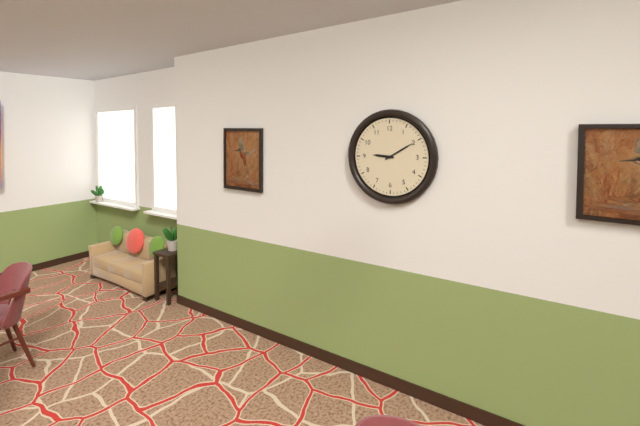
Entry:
9 h 10 min
